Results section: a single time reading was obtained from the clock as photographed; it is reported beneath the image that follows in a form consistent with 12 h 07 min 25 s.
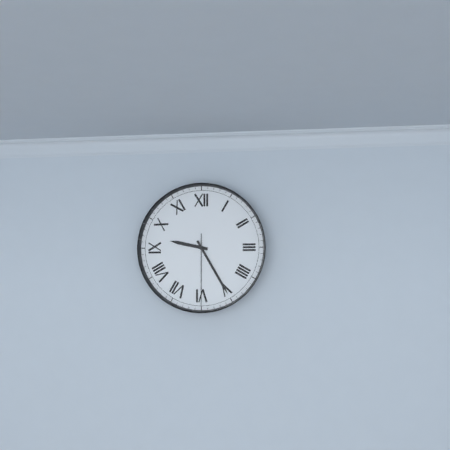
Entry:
9 h 25 min 30 s
